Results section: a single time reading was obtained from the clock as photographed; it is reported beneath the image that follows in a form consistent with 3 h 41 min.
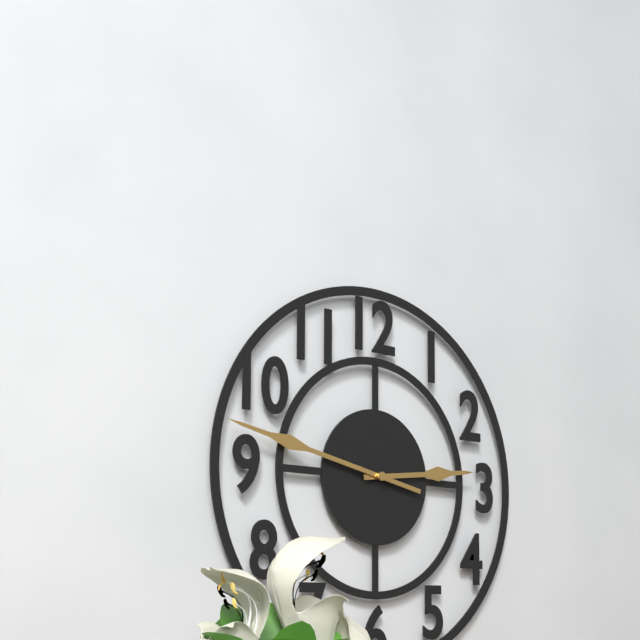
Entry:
2 h 47 min
